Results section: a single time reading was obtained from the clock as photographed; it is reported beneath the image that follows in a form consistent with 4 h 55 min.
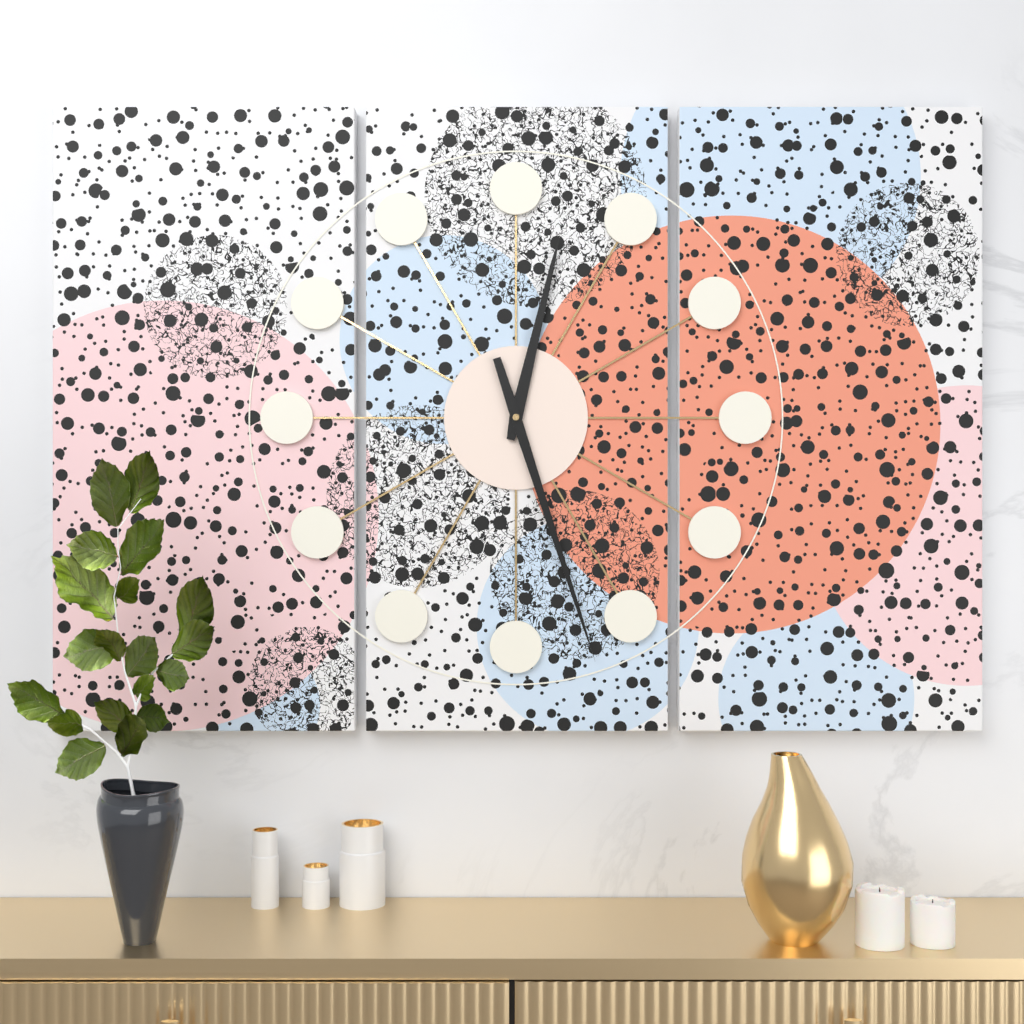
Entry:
12 h 27 min
